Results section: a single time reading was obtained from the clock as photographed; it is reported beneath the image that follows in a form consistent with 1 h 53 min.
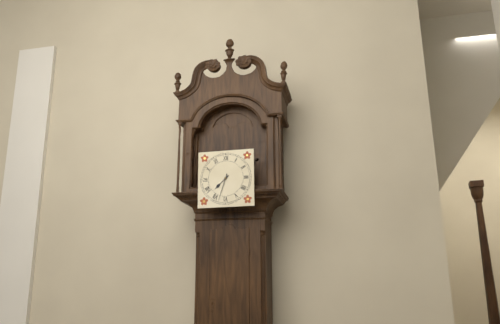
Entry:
7 h 33 min
